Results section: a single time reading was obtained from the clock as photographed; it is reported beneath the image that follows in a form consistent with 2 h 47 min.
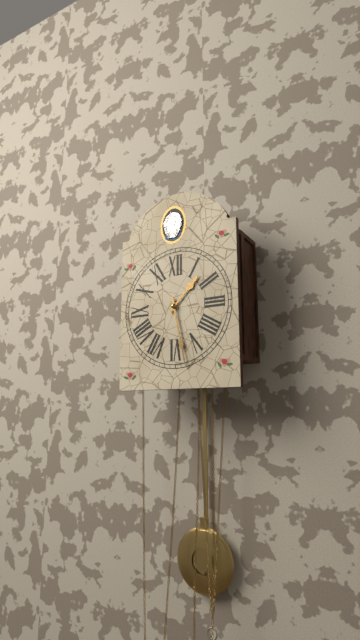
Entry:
1 h 28 min
